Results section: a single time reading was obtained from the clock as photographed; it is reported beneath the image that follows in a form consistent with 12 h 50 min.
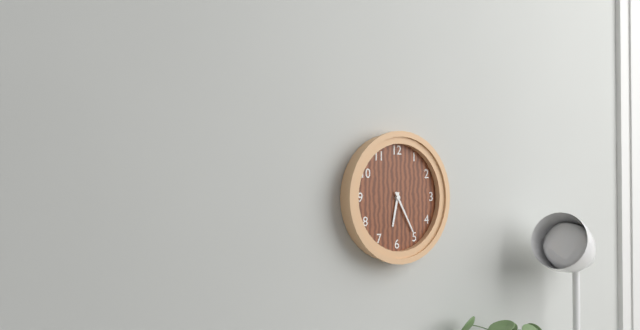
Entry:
6 h 25 min
